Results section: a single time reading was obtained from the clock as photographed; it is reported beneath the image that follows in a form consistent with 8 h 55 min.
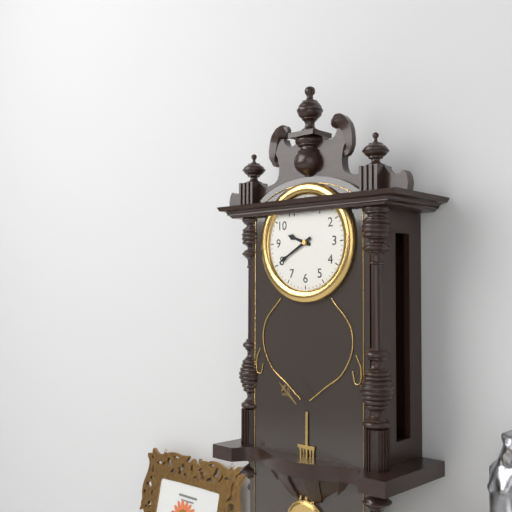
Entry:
9 h 40 min
